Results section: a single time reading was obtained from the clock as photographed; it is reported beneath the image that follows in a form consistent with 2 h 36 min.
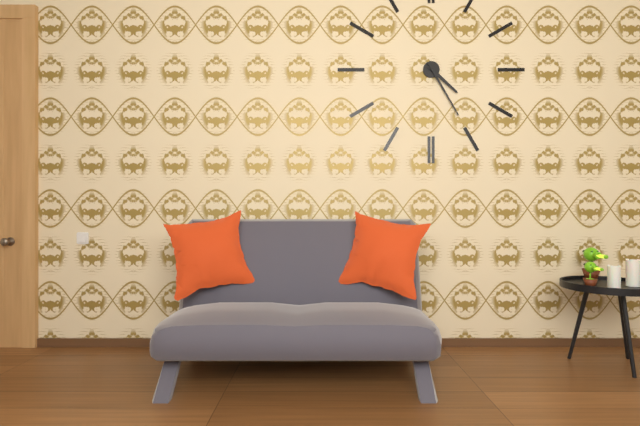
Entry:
4 h 25 min
